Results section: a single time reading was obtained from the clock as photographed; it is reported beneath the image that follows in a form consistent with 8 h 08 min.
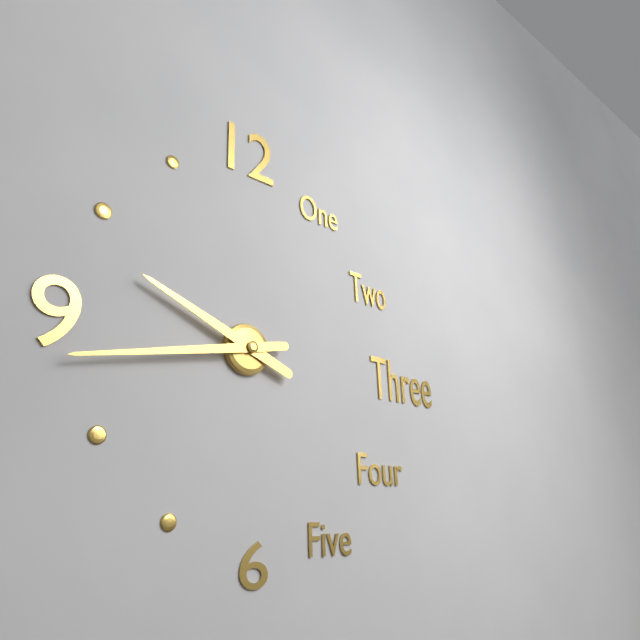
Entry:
9 h 43 min
